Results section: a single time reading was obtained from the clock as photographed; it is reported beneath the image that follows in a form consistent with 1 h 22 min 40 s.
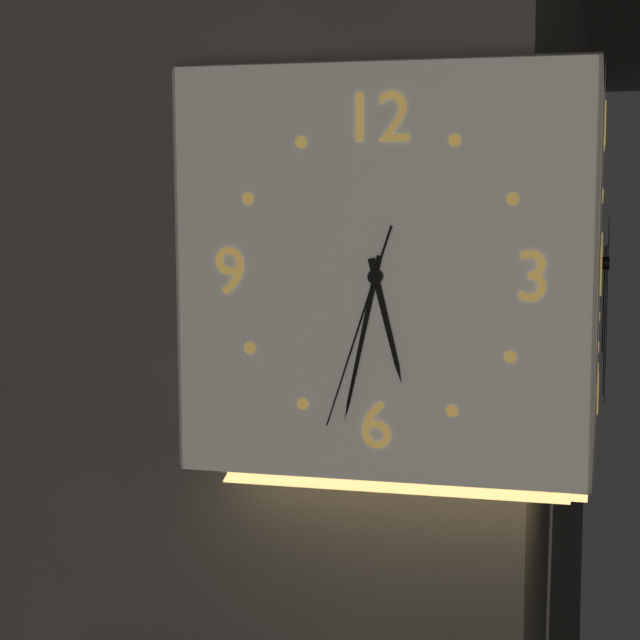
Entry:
5 h 32 min 33 s
